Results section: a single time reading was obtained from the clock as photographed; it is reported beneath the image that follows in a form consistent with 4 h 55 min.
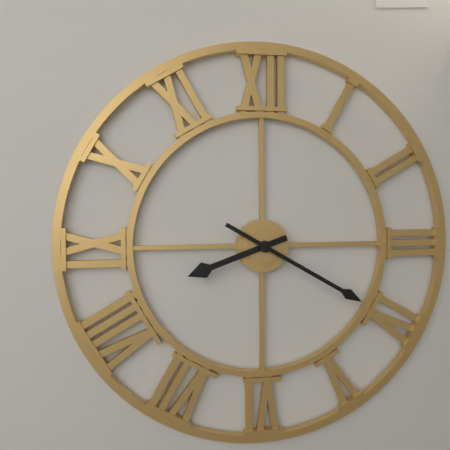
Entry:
8 h 20 min
